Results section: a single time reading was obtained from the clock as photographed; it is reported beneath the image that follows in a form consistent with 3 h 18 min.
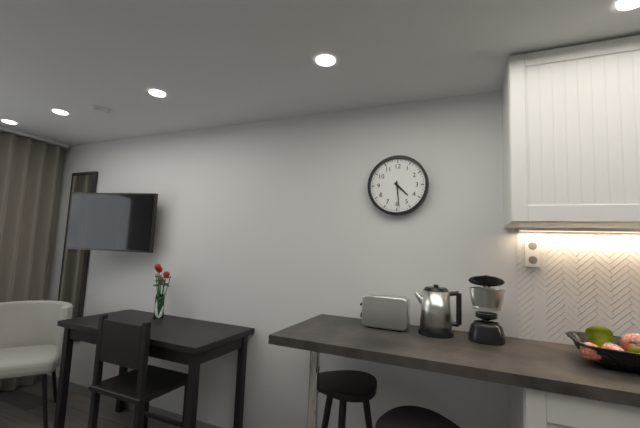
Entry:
4 h 29 min
